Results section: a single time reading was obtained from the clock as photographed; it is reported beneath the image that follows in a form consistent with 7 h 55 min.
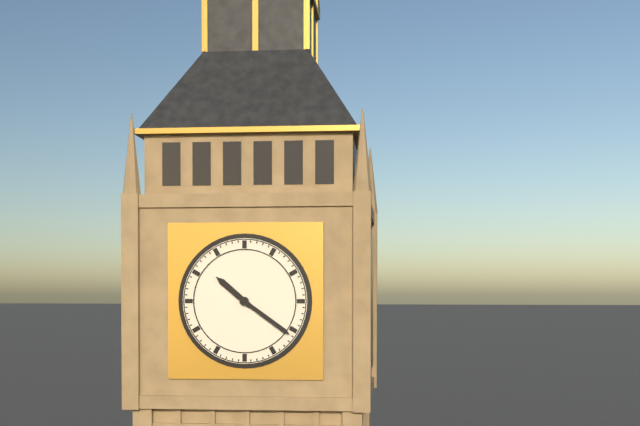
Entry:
10 h 21 min
